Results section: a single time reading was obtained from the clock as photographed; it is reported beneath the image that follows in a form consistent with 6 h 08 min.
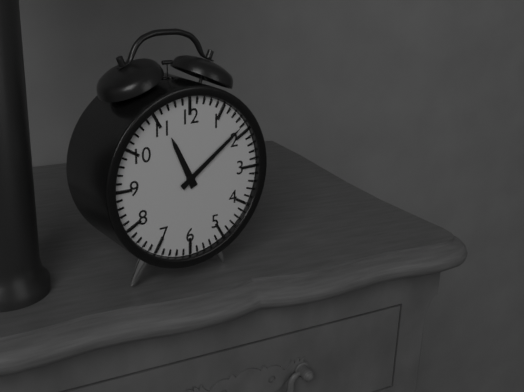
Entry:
11 h 09 min
